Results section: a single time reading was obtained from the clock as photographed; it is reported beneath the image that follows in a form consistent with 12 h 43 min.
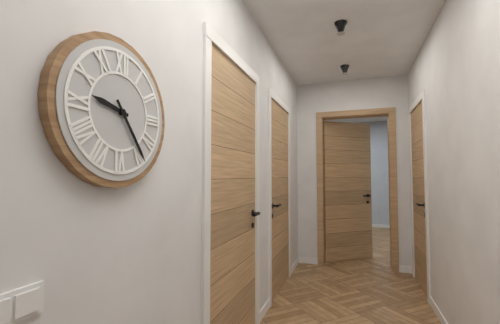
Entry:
9 h 24 min
